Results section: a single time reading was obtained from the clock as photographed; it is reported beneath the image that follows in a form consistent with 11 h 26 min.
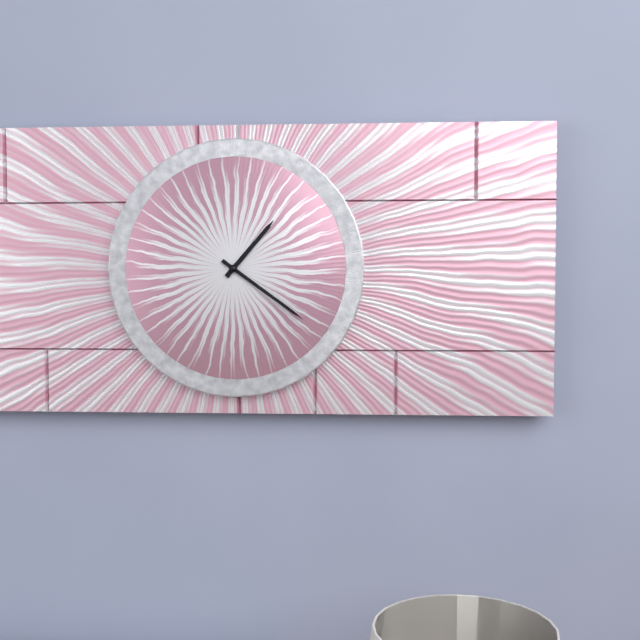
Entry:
1 h 21 min
